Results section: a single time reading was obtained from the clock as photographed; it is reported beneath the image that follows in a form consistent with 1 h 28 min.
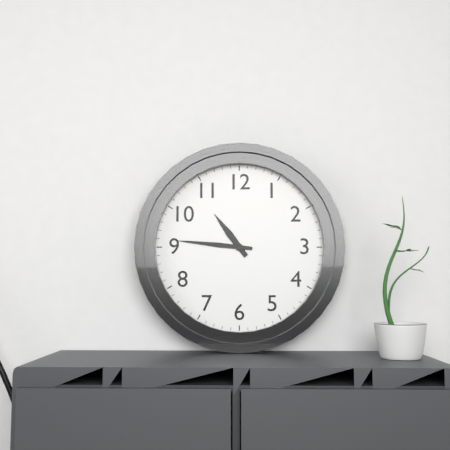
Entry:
10 h 46 min
